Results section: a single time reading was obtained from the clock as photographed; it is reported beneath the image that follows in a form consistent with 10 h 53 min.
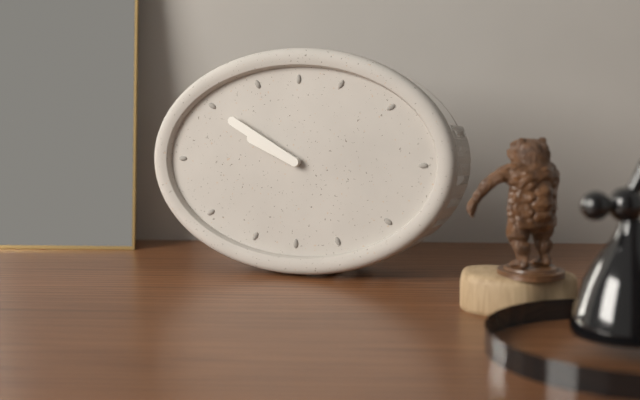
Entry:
9 h 50 min
